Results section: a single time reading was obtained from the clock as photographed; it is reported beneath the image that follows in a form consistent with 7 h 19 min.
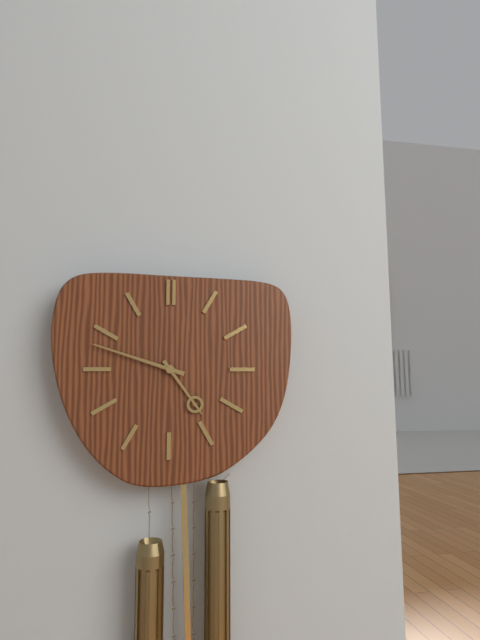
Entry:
4 h 48 min
